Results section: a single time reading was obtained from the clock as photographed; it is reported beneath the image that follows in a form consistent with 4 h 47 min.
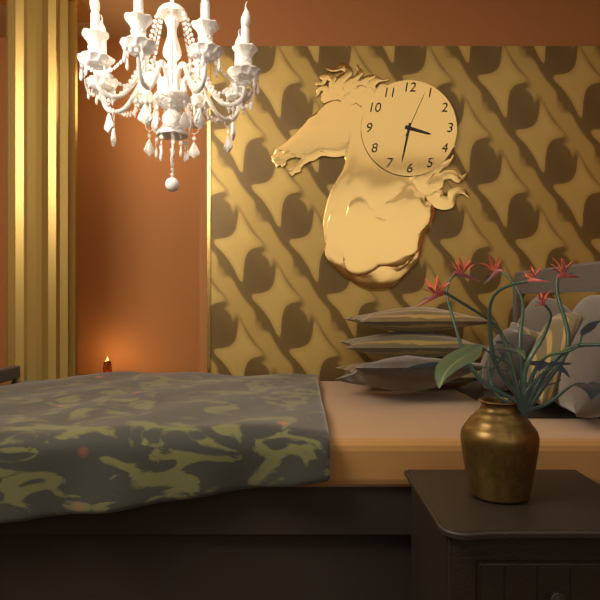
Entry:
3 h 32 min
